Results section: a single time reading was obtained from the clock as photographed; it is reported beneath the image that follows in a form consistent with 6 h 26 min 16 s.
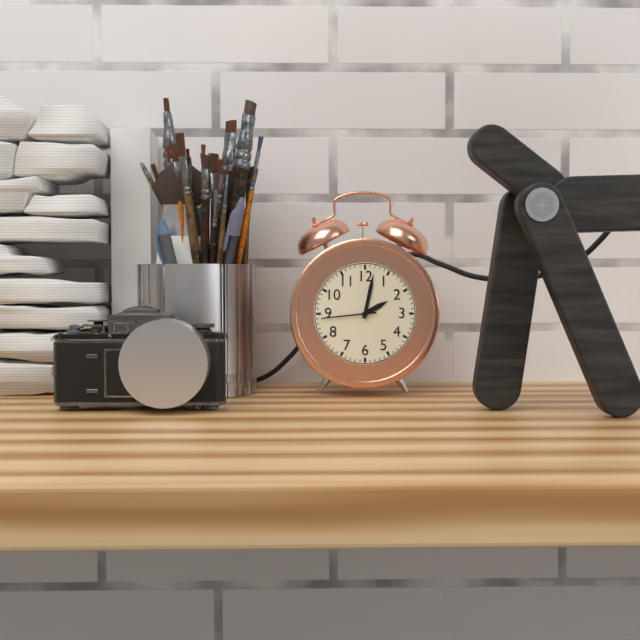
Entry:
2 h 02 min 44 s
